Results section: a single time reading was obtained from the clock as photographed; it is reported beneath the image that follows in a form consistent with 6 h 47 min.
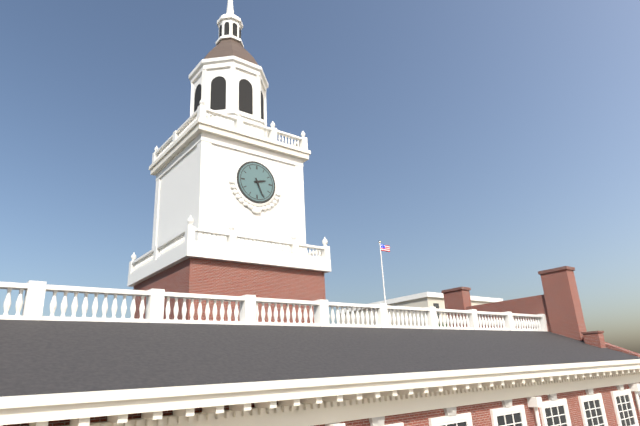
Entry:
2 h 26 min
